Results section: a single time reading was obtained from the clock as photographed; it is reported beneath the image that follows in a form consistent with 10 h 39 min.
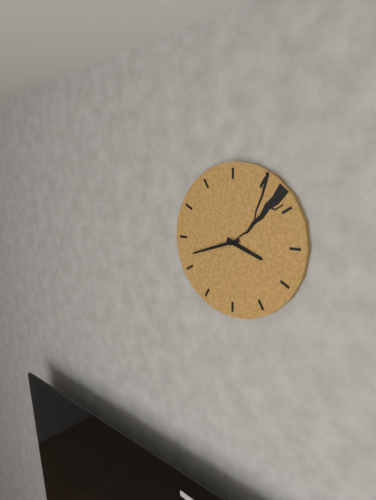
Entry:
3 h 42 min
